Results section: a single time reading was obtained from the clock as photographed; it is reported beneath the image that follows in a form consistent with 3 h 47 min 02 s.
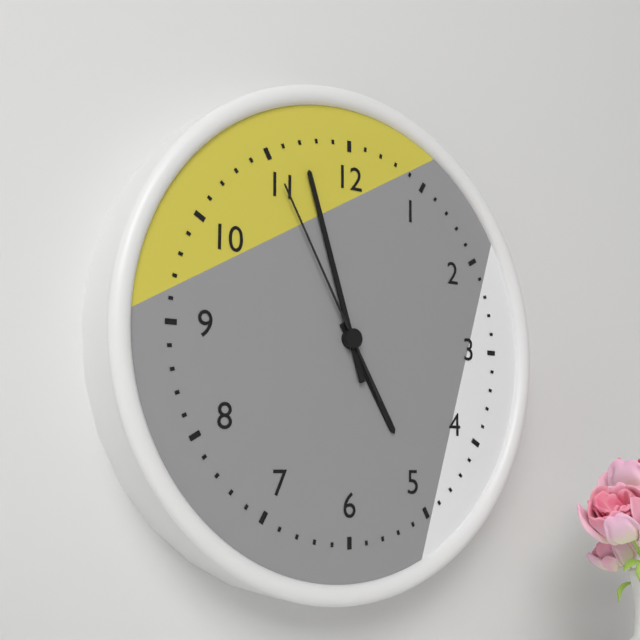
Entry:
4 h 57 min 55 s
